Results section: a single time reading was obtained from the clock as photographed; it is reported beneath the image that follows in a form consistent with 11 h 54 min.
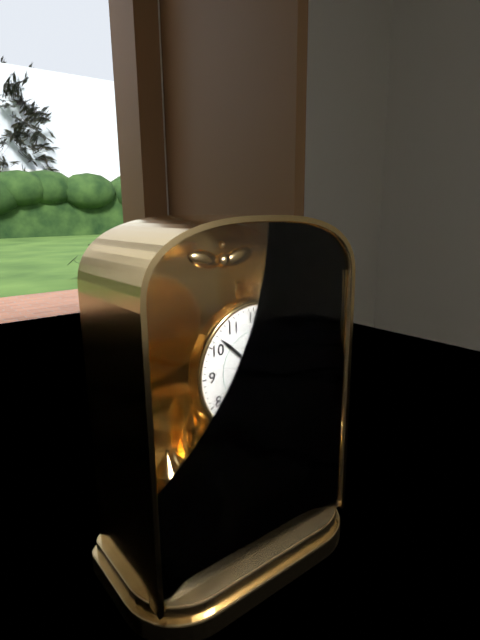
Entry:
5 h 52 min
